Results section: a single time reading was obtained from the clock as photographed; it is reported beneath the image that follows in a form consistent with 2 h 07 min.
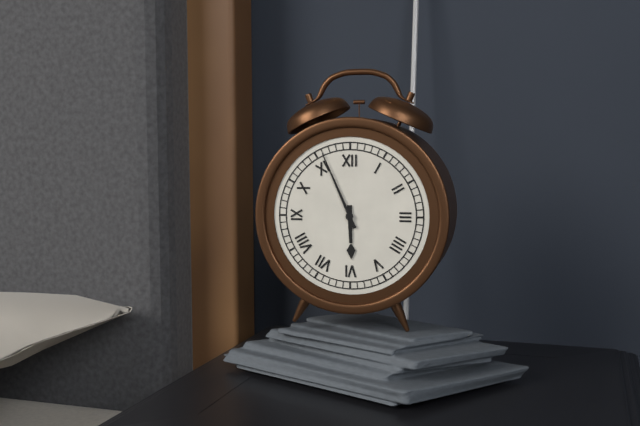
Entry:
5 h 56 min
